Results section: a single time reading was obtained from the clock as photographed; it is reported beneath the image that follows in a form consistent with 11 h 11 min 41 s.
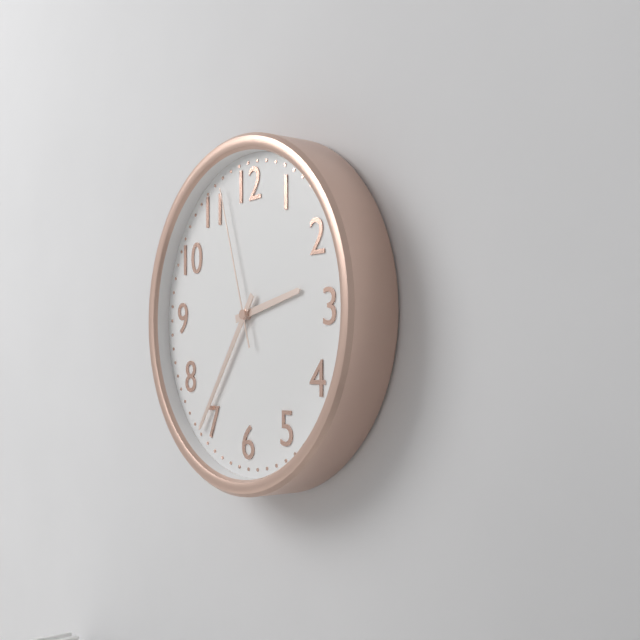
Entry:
2 h 36 min 57 s
